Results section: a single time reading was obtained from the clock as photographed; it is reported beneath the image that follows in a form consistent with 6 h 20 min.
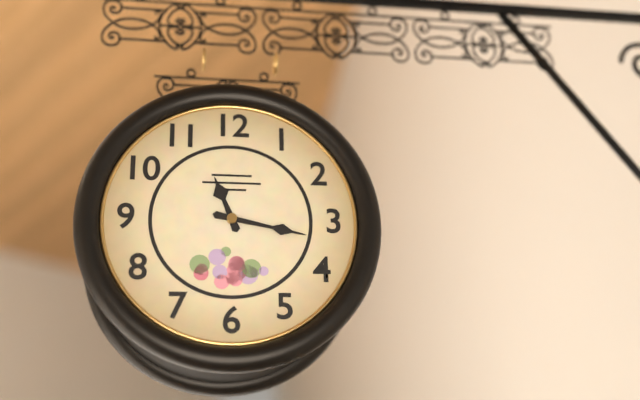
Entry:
11 h 17 min
